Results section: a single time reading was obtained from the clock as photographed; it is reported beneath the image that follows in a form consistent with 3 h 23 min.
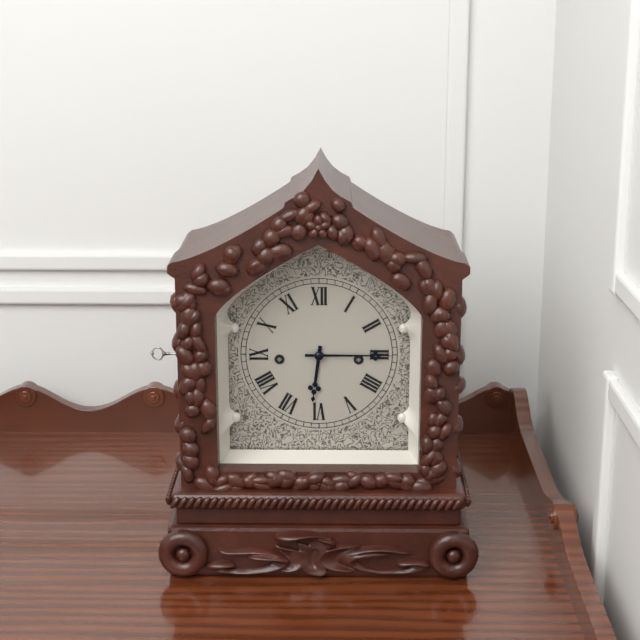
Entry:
6 h 15 min
